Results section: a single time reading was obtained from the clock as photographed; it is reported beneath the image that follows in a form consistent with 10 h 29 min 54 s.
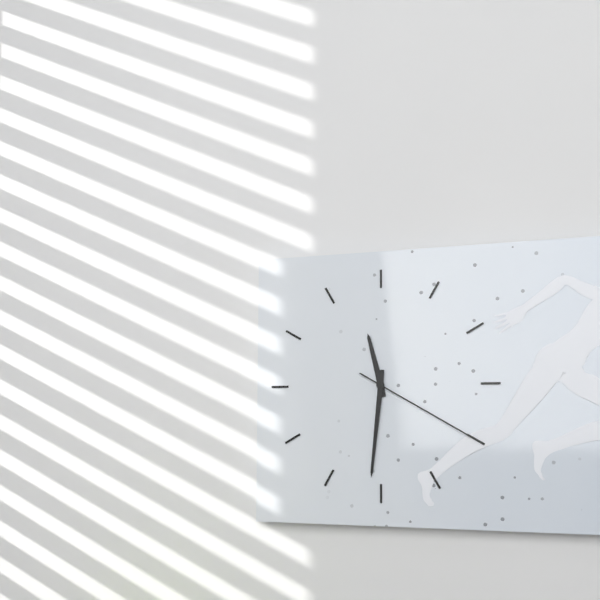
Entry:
11 h 31 min 20 s
